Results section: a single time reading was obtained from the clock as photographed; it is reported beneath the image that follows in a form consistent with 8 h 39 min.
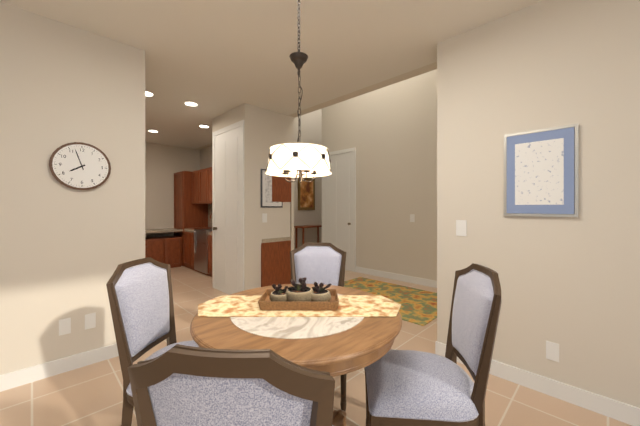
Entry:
7 h 57 min
